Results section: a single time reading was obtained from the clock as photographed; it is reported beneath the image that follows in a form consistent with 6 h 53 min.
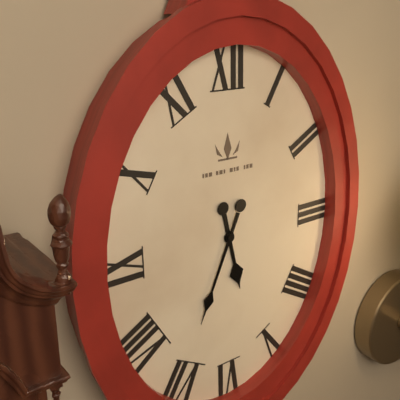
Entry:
5 h 34 min
